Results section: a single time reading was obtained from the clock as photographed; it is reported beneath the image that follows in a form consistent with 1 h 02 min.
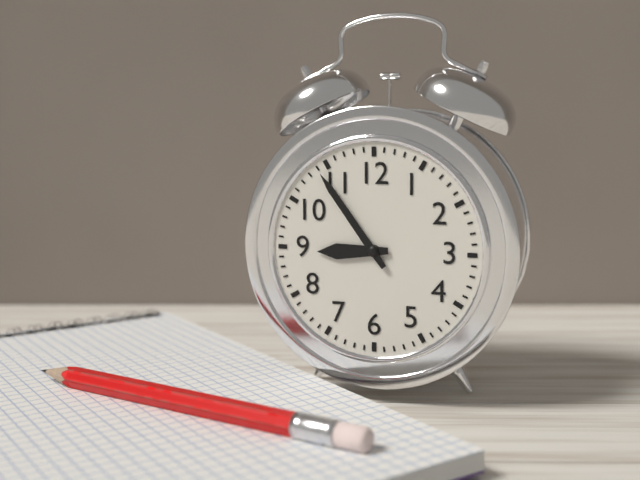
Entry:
8 h 54 min
